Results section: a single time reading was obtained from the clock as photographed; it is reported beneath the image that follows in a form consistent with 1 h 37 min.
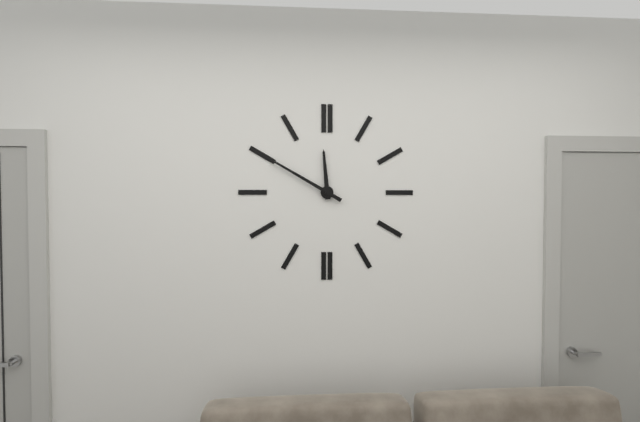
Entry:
11 h 50 min
